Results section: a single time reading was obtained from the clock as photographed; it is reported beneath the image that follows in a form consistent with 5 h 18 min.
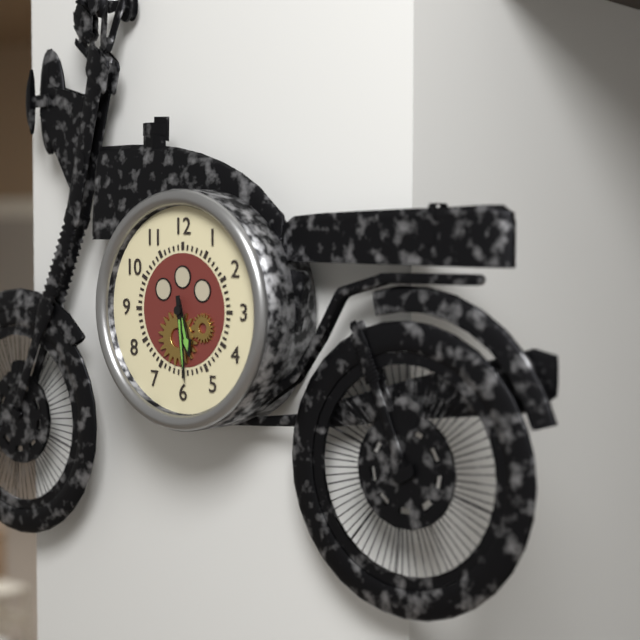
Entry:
5 h 29 min
